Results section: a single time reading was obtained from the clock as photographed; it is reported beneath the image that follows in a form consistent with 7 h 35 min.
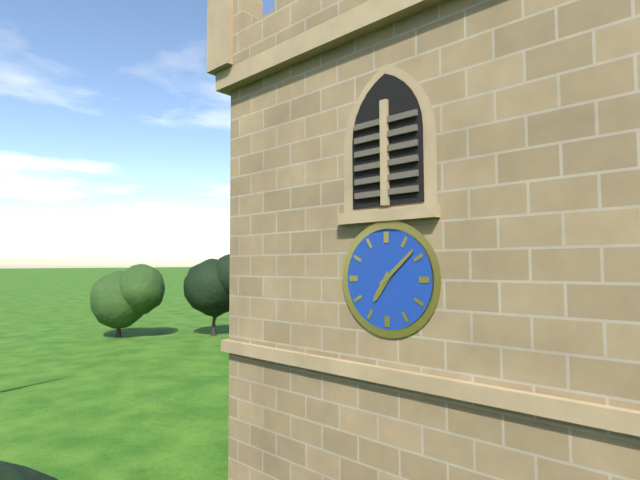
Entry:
7 h 08 min
